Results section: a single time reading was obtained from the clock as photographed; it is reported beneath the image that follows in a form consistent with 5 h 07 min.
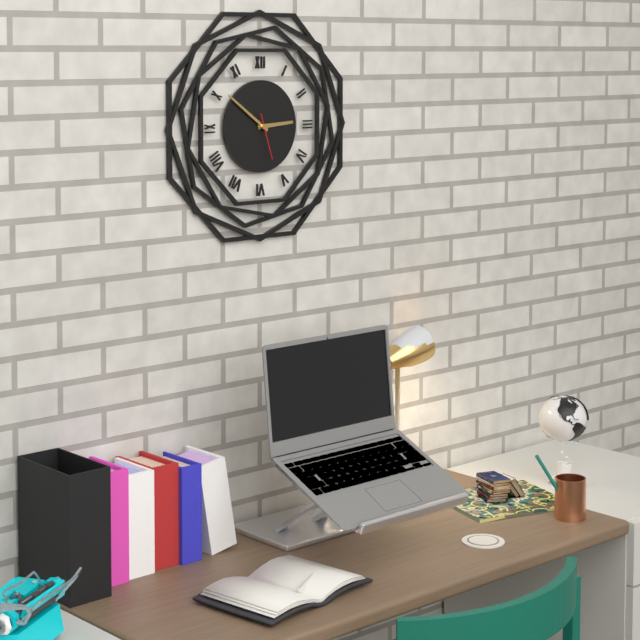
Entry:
2 h 51 min
